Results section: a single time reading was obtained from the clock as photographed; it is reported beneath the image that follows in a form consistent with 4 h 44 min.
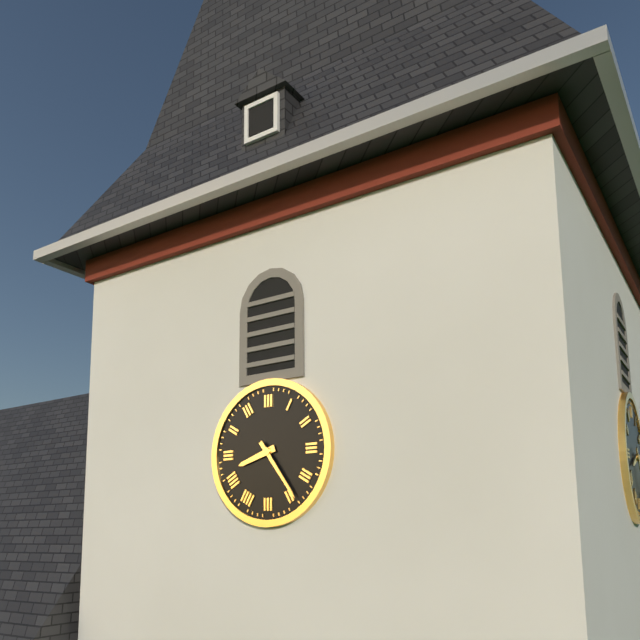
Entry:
8 h 24 min
